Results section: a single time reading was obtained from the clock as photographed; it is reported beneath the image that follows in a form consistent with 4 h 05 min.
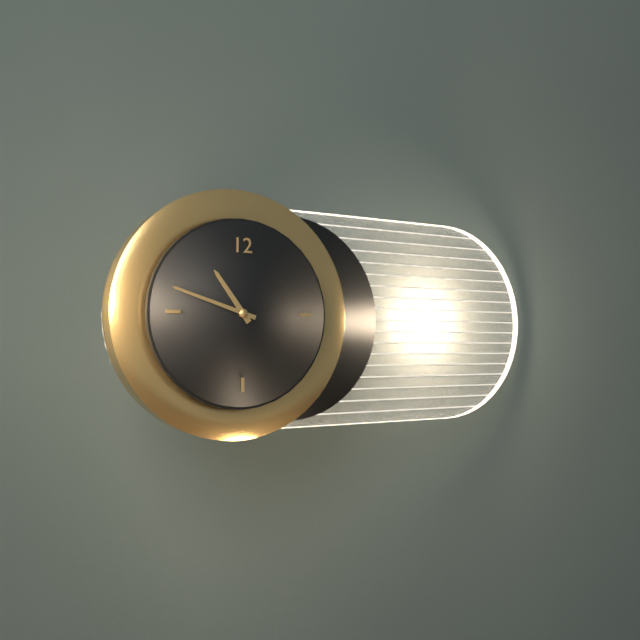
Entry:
10 h 48 min
